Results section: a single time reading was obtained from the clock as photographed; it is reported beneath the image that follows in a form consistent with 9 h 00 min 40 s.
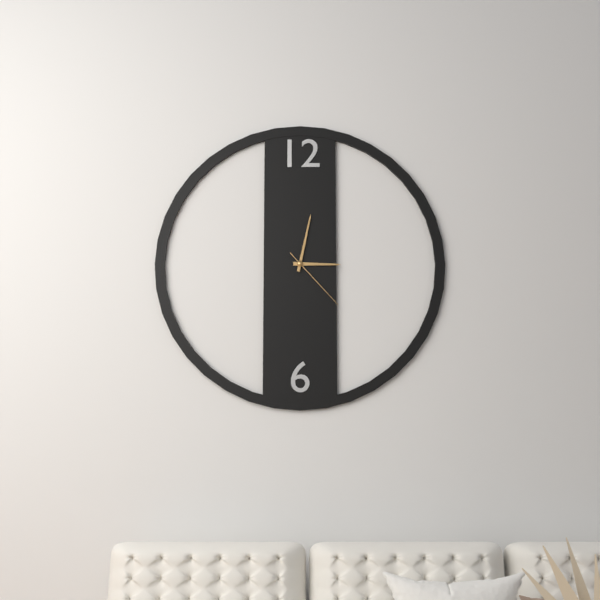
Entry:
3 h 02 min 23 s
